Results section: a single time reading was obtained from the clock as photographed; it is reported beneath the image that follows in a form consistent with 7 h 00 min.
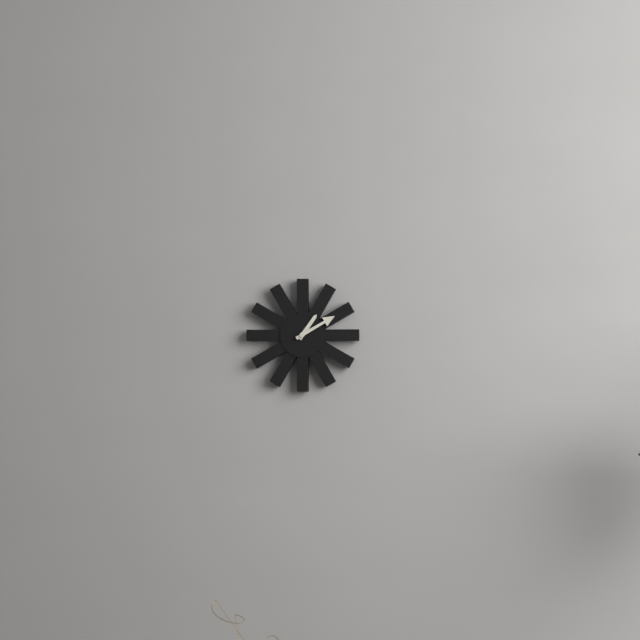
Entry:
1 h 10 min
